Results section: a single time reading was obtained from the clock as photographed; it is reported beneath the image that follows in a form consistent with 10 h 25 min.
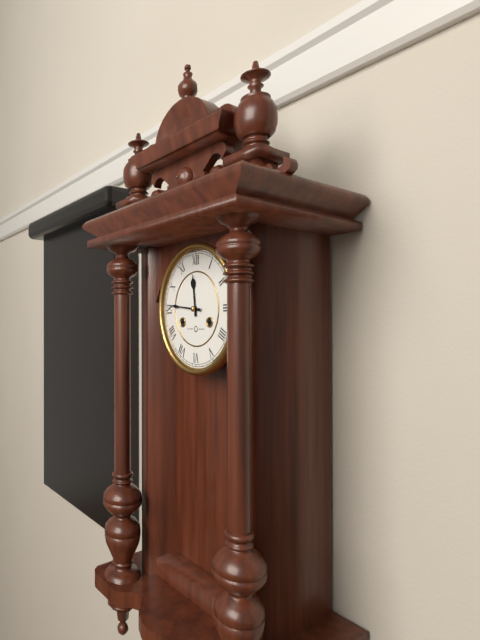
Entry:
11 h 46 min
